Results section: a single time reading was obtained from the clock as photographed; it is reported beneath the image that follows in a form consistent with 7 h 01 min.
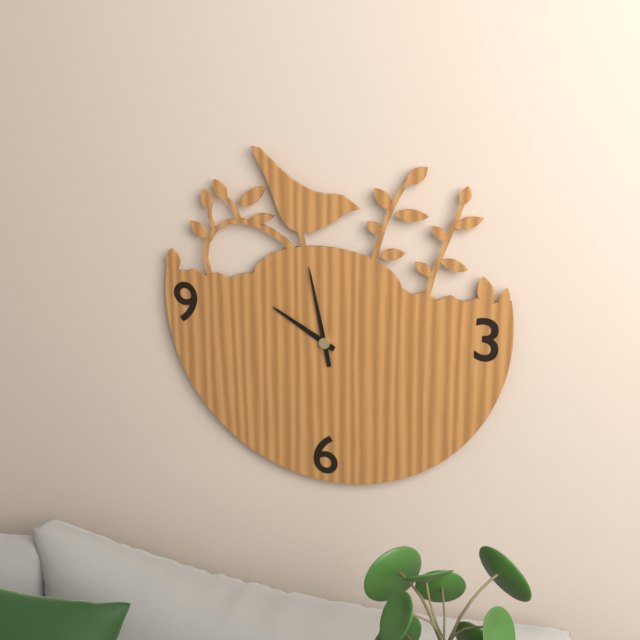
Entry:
9 h 58 min
